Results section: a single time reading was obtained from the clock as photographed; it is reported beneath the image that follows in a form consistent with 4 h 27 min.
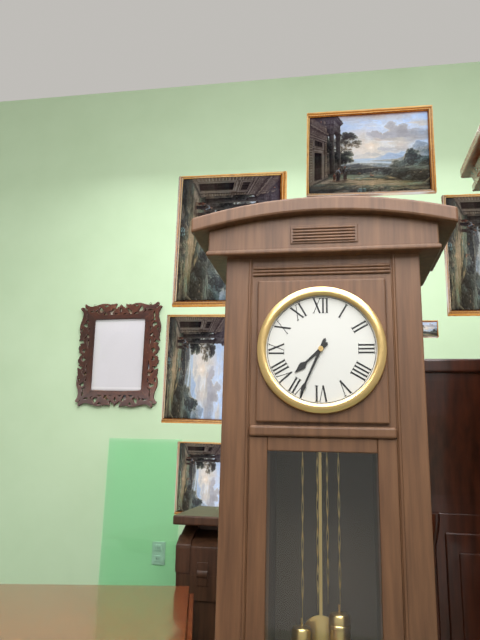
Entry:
7 h 34 min
